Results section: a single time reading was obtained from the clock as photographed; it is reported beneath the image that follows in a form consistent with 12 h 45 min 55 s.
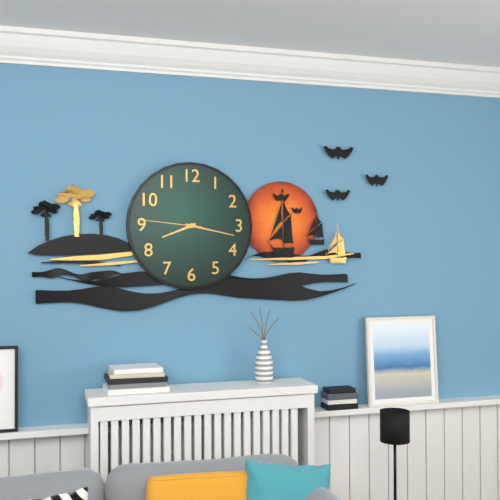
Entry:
8 h 17 min 46 s
